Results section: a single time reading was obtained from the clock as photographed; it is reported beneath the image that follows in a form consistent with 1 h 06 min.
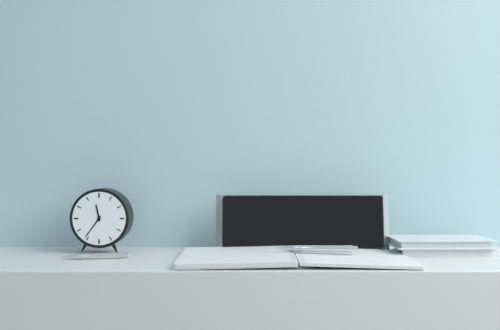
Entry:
11 h 36 min
